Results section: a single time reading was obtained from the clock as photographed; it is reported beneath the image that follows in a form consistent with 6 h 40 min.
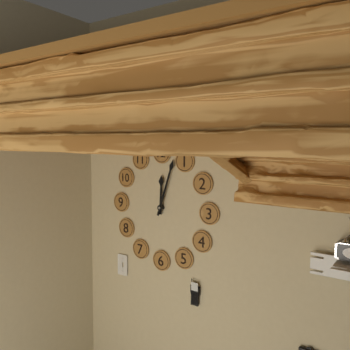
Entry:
12 h 03 min
